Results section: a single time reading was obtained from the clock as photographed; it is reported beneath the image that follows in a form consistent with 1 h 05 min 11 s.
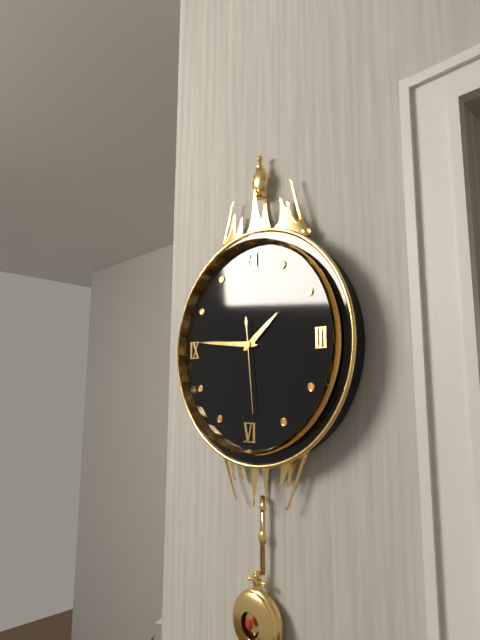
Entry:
1 h 46 min 29 s
